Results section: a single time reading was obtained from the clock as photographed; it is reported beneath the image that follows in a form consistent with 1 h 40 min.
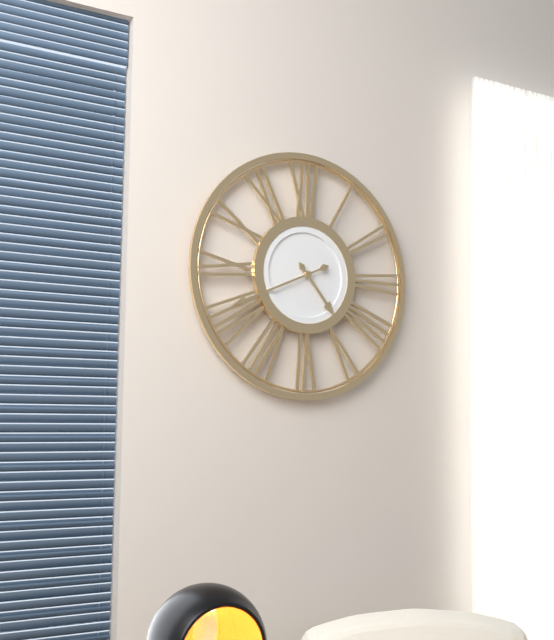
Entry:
4 h 41 min
